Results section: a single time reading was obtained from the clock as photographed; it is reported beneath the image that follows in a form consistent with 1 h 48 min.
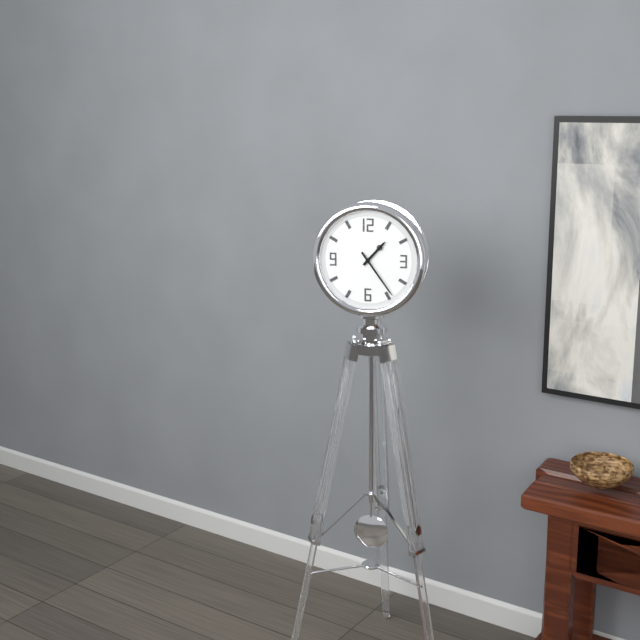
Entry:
1 h 24 min
